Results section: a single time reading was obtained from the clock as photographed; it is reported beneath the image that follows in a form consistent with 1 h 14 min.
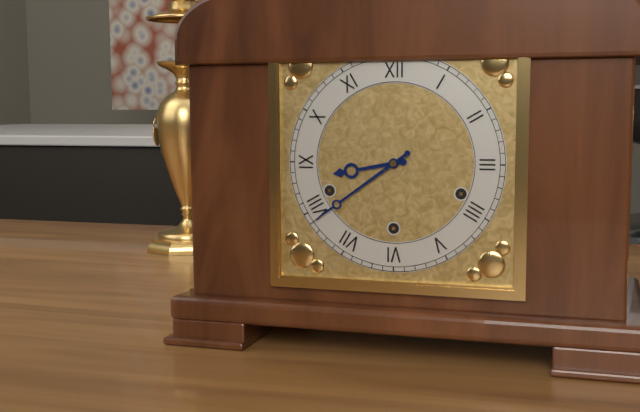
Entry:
8 h 39 min
